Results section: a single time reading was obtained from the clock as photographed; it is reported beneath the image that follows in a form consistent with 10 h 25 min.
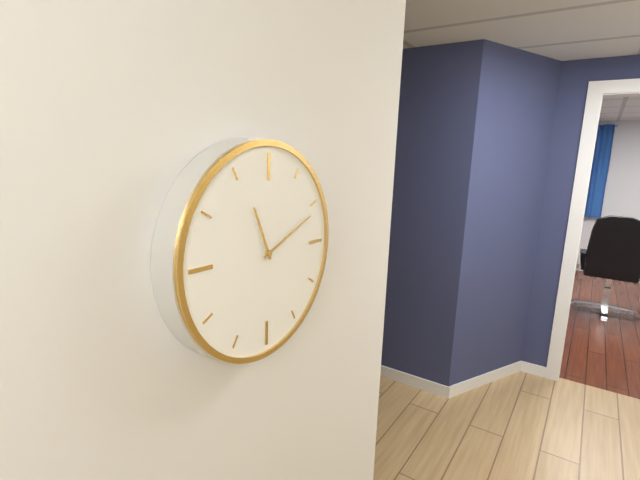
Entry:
11 h 11 min
